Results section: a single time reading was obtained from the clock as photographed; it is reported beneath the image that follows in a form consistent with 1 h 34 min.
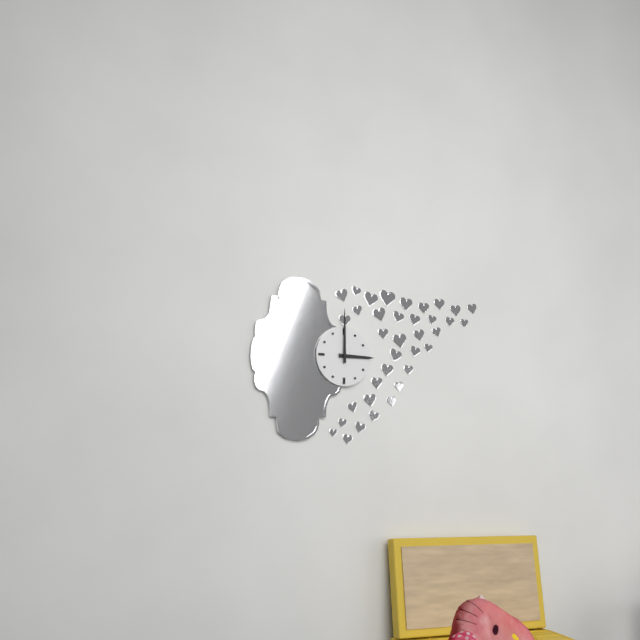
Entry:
3 h 00 min
